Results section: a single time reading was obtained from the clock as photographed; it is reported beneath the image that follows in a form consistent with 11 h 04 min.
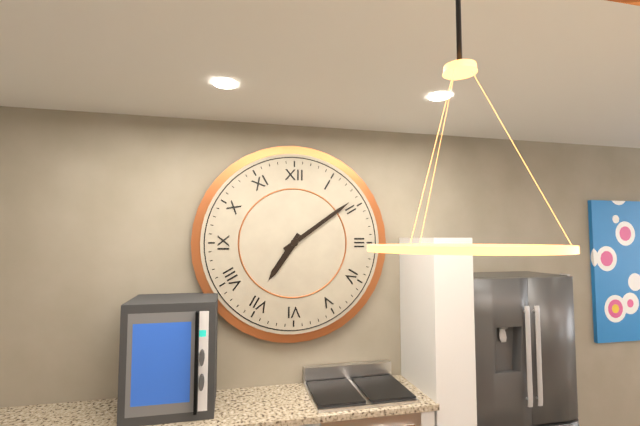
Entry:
7 h 09 min
